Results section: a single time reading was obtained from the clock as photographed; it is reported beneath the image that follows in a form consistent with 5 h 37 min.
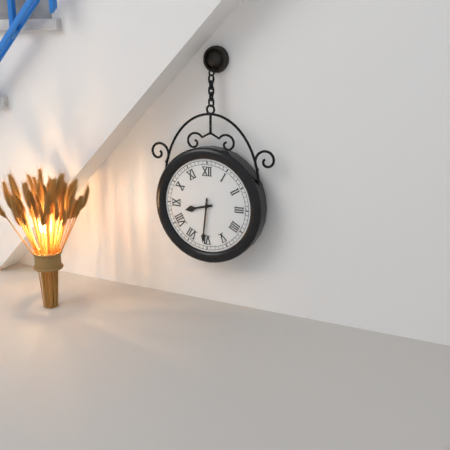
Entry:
8 h 31 min
